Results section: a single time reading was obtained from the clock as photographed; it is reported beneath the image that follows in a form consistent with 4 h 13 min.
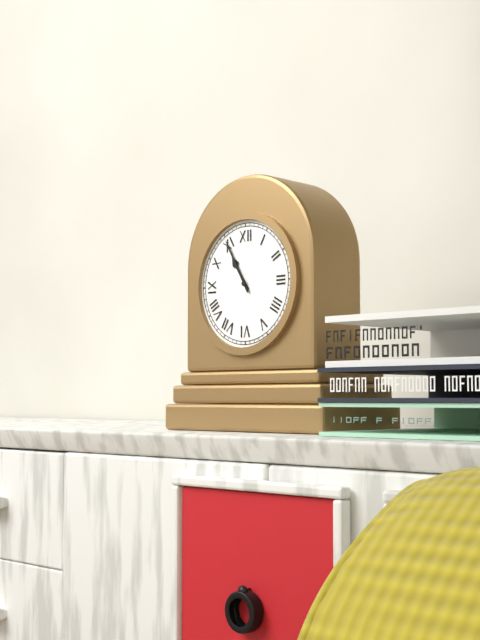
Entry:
10 h 55 min
